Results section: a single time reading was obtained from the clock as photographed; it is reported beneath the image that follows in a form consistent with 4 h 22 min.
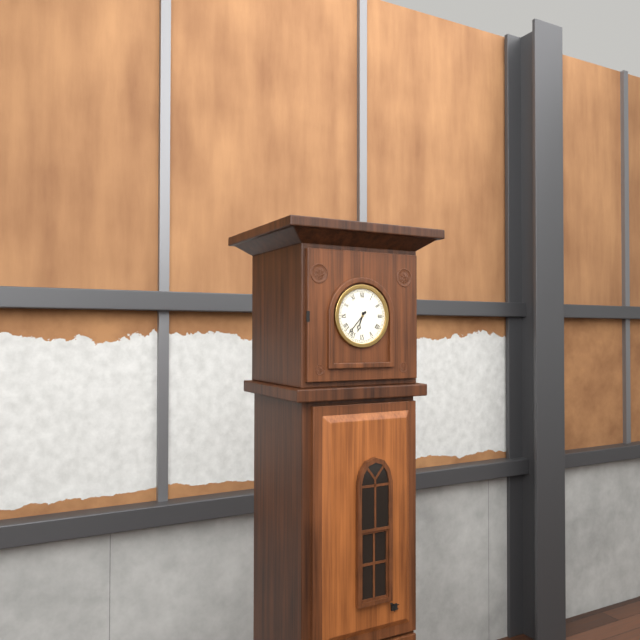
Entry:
6 h 37 min
